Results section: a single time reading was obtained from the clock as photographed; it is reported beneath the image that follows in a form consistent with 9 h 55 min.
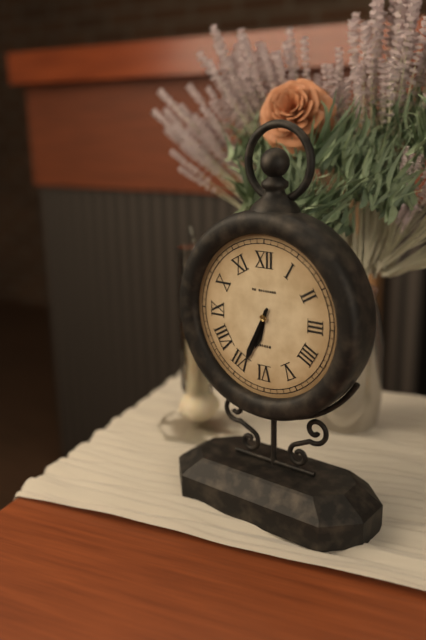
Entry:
6 h 34 min
